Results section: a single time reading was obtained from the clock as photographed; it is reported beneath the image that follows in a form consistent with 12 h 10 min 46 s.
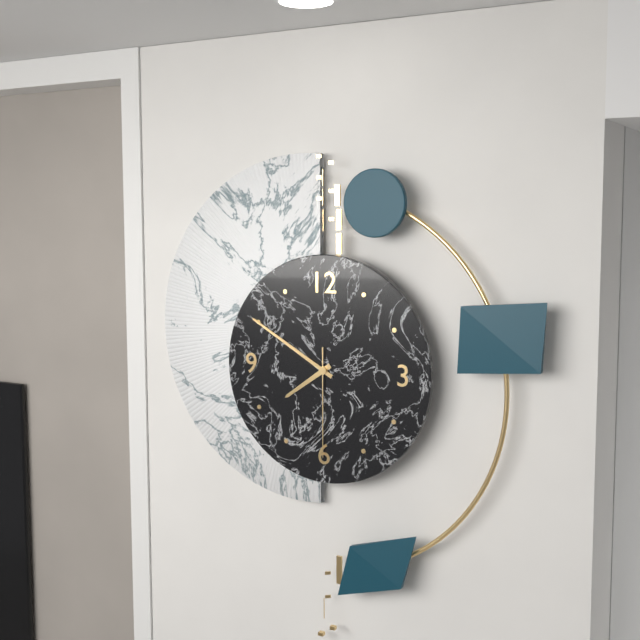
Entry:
7 h 50 min 30 s
